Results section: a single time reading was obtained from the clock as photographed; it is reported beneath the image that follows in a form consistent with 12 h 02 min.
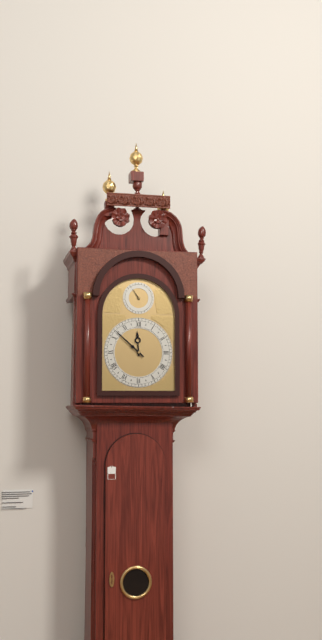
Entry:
11 h 52 min
